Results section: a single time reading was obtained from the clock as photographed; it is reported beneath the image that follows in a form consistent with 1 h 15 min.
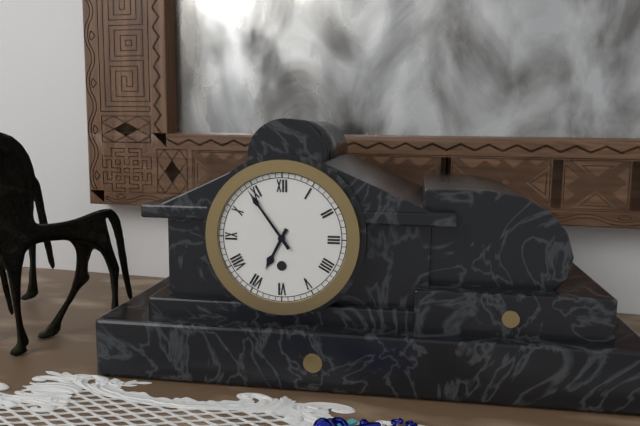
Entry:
6 h 54 min
